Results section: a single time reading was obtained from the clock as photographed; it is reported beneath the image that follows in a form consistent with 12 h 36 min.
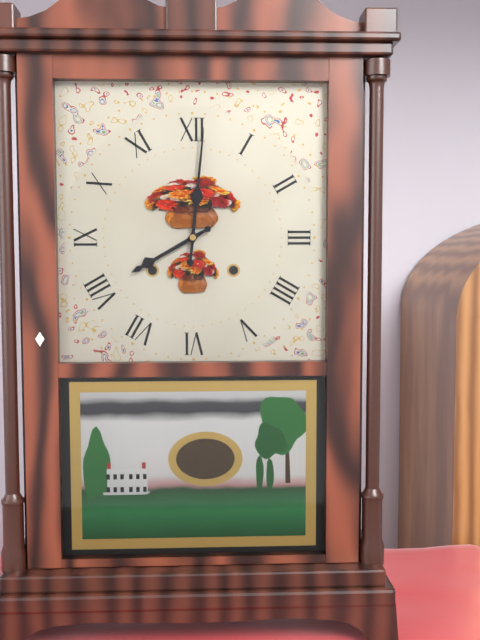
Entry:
8 h 01 min
